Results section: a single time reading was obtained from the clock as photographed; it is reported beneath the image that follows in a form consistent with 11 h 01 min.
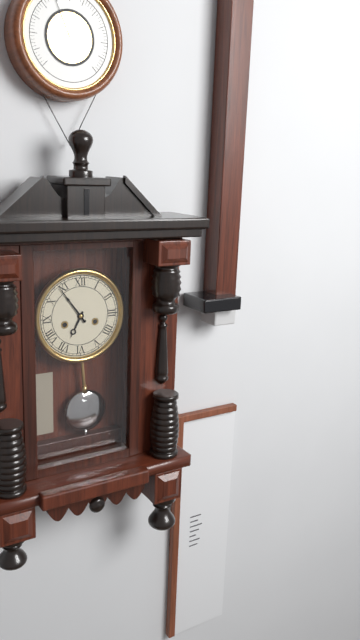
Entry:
6 h 54 min
